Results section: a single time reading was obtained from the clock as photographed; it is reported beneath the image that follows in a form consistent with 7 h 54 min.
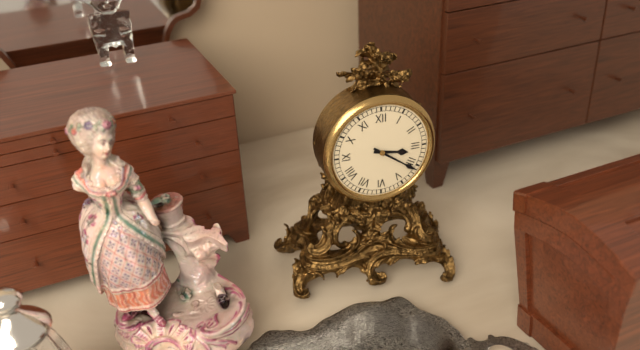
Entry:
3 h 21 min
